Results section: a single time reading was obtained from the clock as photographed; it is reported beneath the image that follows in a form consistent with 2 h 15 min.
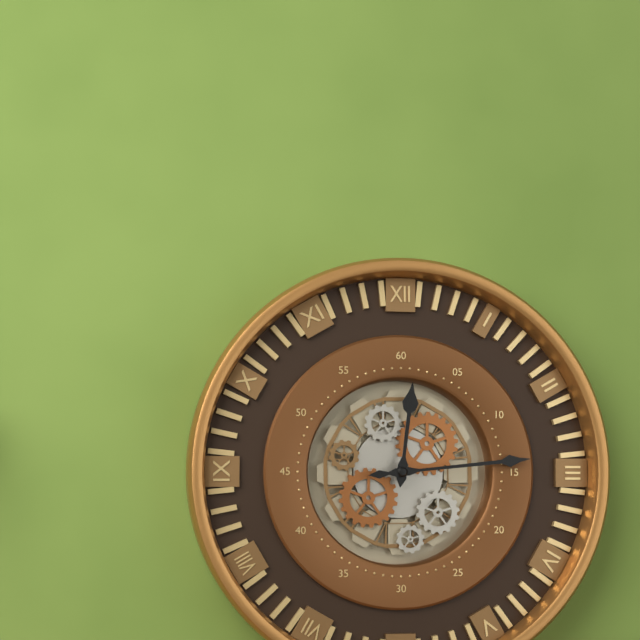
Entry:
12 h 14 min
